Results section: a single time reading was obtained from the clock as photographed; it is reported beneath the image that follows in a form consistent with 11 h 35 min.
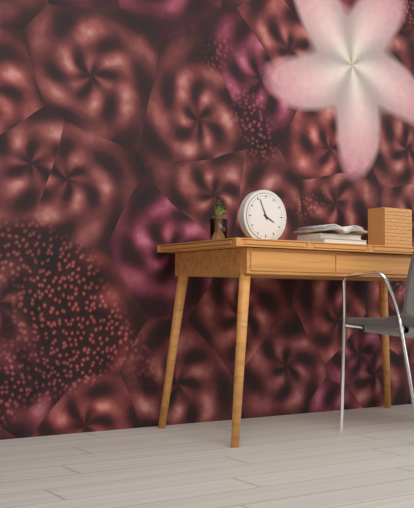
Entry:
3 h 56 min
